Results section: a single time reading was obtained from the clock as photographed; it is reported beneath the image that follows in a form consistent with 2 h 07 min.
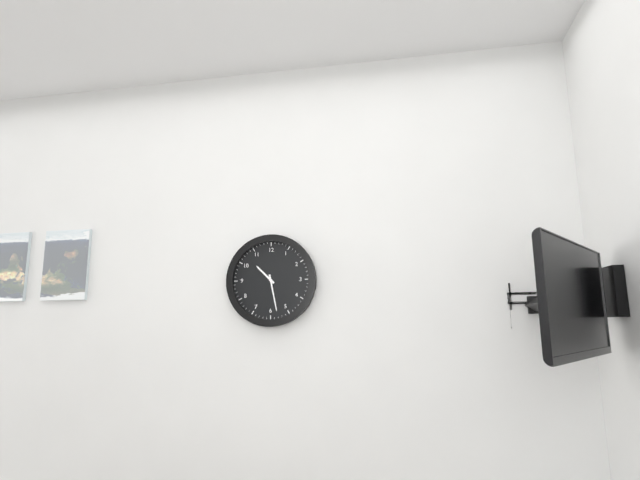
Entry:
10 h 28 min
